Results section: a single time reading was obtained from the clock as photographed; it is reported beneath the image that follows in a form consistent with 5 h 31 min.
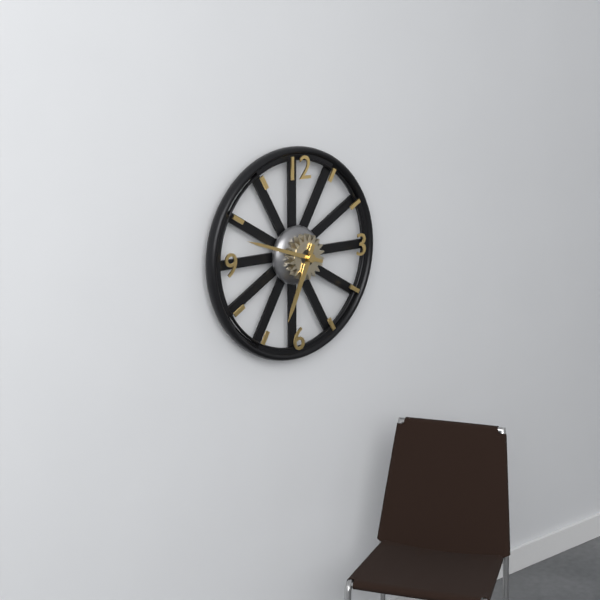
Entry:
6 h 48 min
